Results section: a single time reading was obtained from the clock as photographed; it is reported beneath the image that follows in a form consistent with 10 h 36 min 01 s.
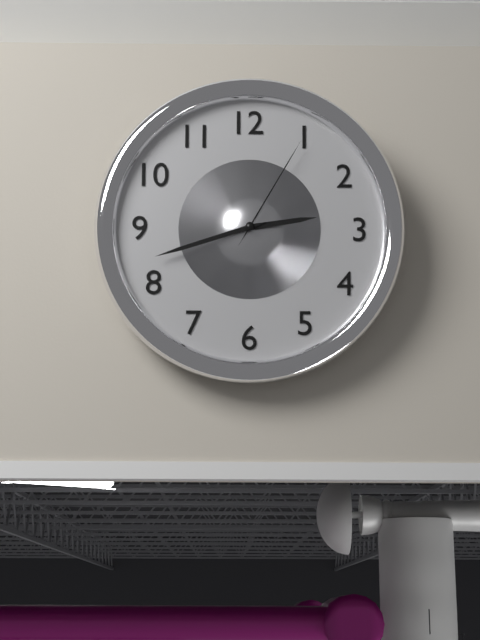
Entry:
2 h 42 min 05 s
